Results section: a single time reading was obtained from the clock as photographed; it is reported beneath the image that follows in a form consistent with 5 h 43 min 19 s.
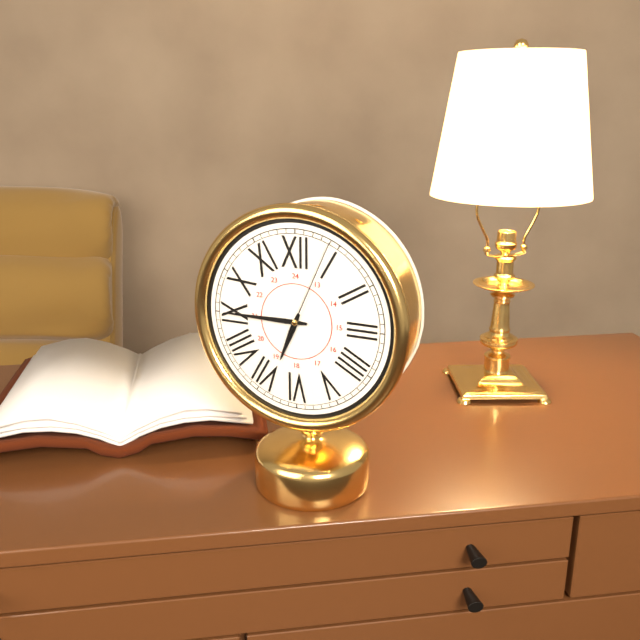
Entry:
6 h 45 min 04 s
